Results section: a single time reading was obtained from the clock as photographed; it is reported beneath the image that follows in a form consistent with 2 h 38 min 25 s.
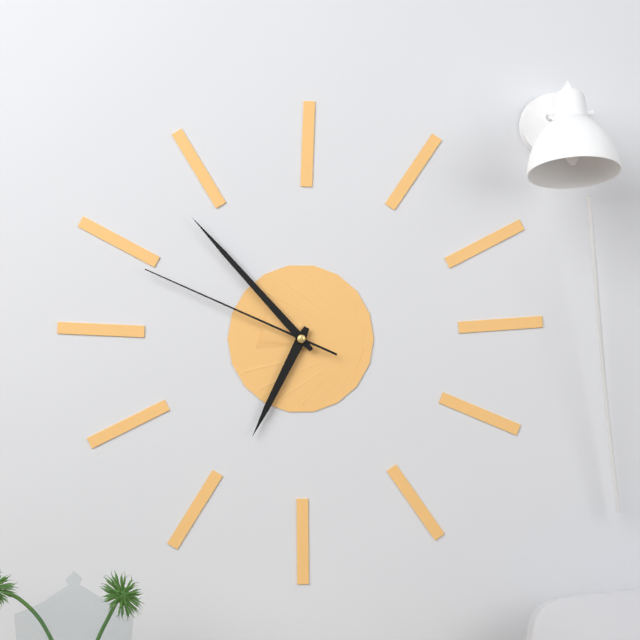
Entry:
6 h 53 min 49 s
